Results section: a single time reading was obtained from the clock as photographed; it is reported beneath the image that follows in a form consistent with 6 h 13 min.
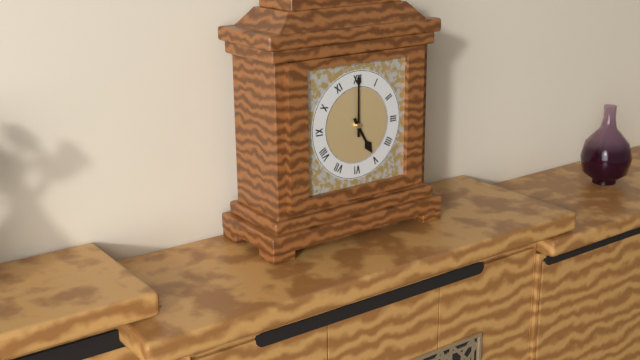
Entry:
5 h 00 min
